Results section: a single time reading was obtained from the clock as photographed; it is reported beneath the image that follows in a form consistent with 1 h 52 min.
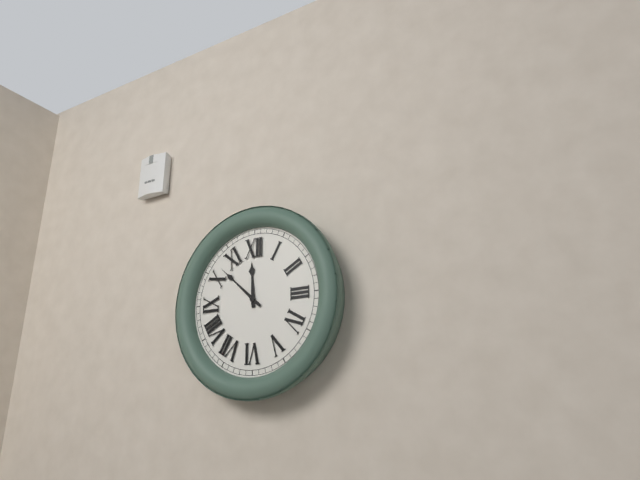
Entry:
11 h 52 min
